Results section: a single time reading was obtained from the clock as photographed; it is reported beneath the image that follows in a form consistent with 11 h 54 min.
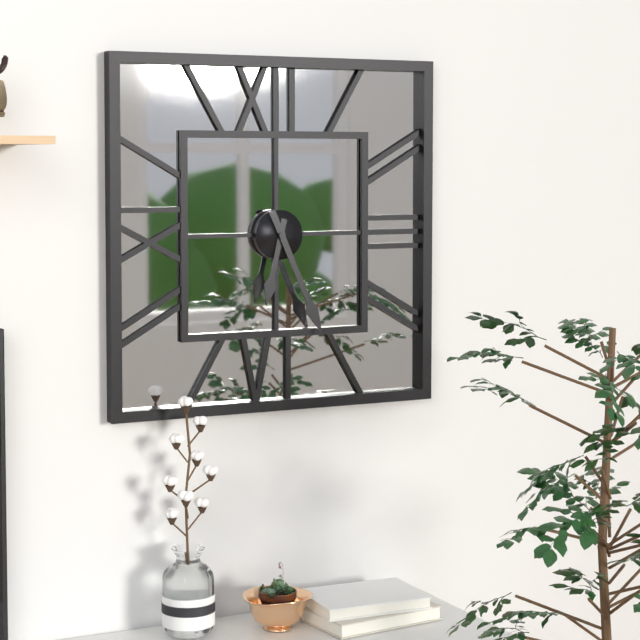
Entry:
6 h 26 min
